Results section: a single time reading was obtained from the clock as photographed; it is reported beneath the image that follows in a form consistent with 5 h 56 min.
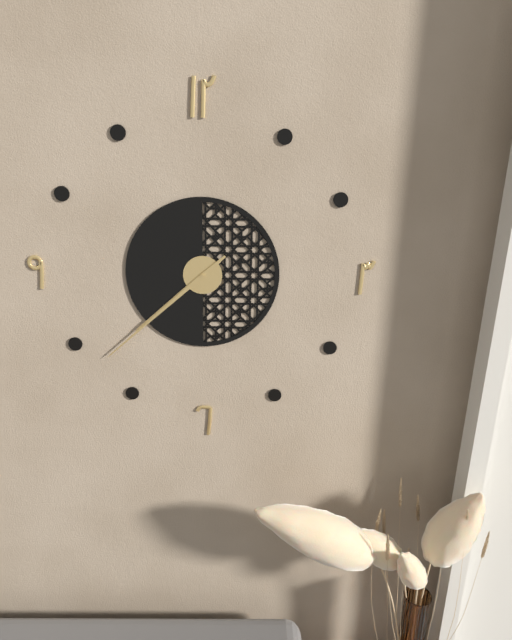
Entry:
7 h 38 min
